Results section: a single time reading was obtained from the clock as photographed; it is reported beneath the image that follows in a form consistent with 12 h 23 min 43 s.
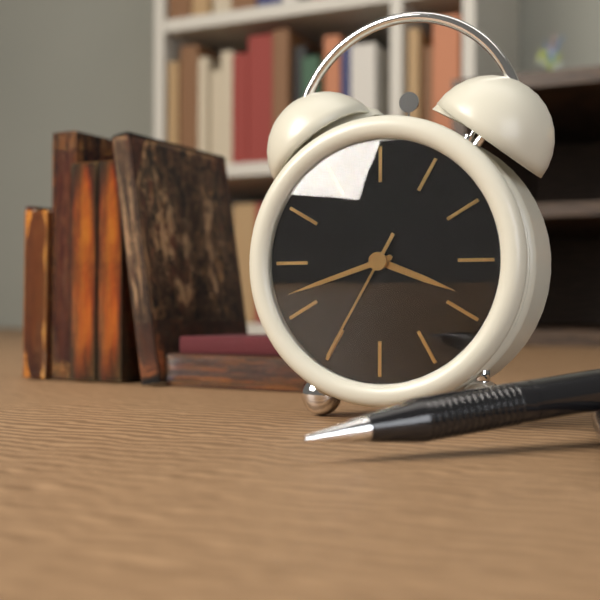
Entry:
3 h 42 min 35 s
